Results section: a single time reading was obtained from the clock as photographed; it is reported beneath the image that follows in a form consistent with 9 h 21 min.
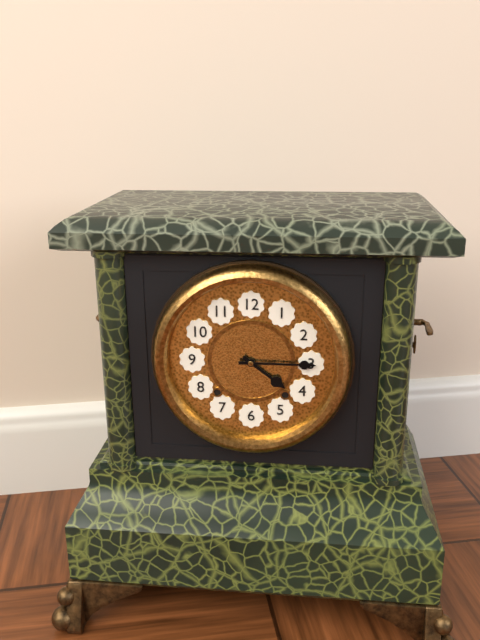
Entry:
4 h 15 min
